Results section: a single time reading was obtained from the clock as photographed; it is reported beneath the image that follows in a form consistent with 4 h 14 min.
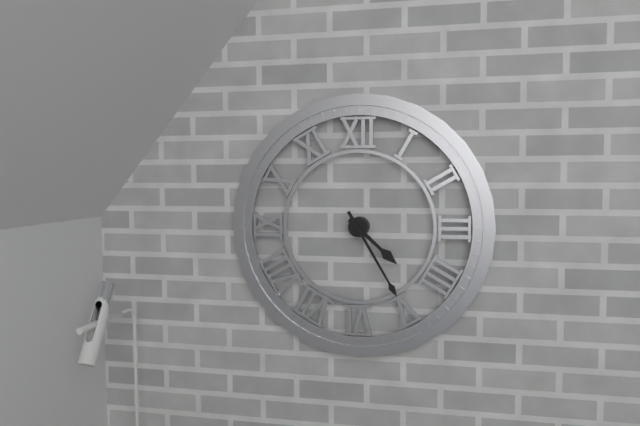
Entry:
4 h 25 min
